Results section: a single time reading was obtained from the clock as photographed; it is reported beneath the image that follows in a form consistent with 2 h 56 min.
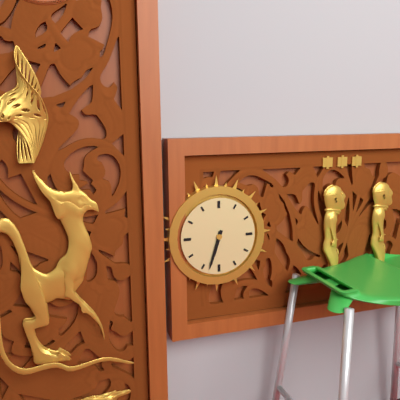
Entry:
6 h 33 min
